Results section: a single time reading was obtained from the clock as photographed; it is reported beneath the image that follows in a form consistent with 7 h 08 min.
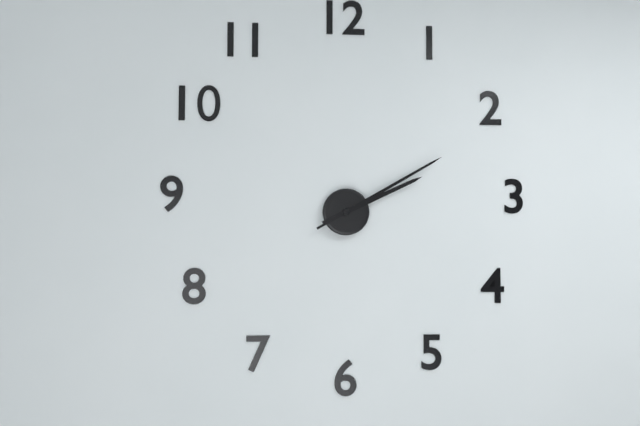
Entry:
2 h 10 min
